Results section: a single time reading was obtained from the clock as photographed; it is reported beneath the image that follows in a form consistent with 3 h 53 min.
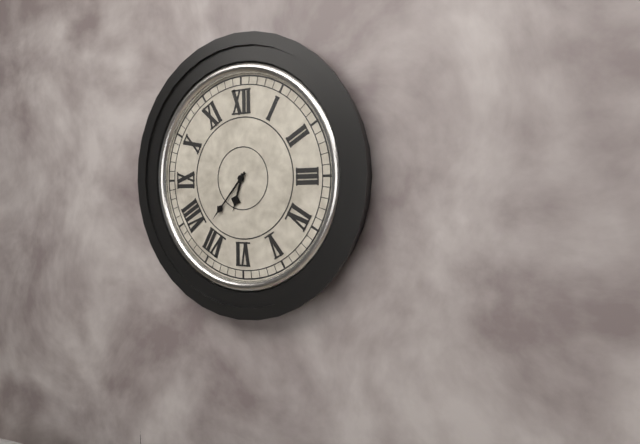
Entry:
6 h 37 min
